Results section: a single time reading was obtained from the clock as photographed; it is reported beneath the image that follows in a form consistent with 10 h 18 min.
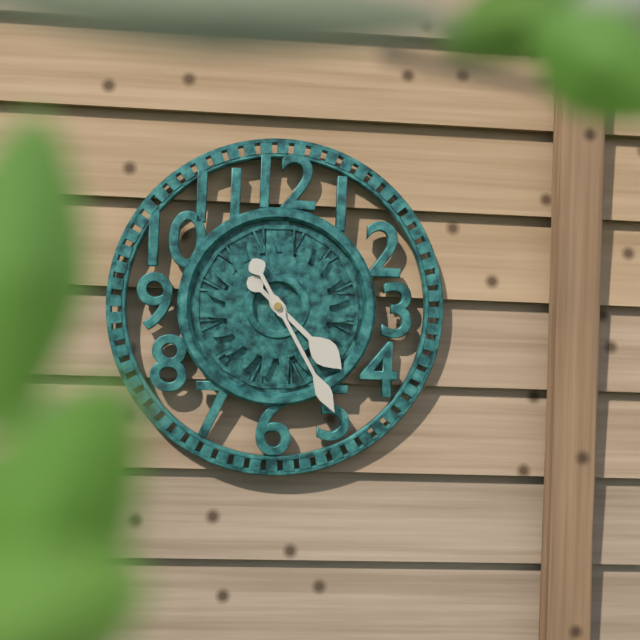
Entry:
4 h 25 min
